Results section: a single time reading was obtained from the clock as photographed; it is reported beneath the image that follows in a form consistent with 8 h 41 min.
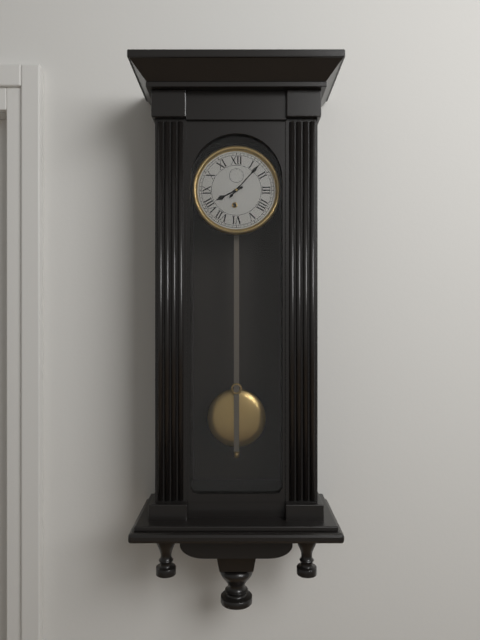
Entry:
8 h 07 min
